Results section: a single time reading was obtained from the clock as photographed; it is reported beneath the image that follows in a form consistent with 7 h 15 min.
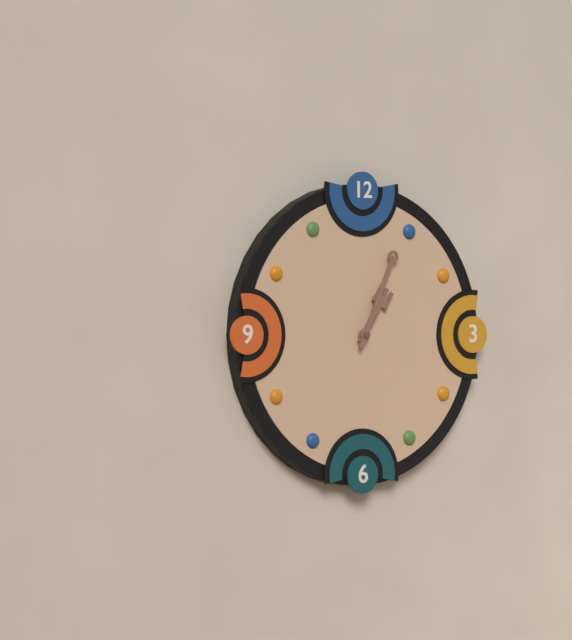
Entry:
1 h 04 min
